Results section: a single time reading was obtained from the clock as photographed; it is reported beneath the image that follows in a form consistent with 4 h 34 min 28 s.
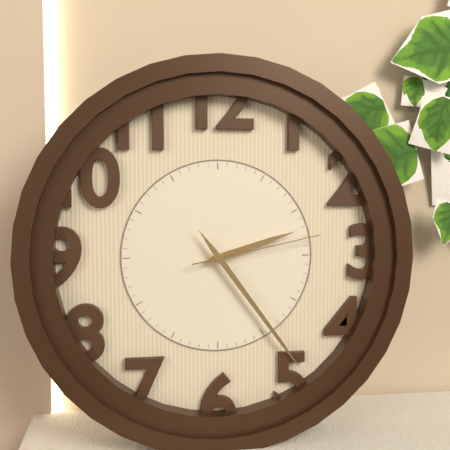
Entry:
2 h 24 min 13 s
